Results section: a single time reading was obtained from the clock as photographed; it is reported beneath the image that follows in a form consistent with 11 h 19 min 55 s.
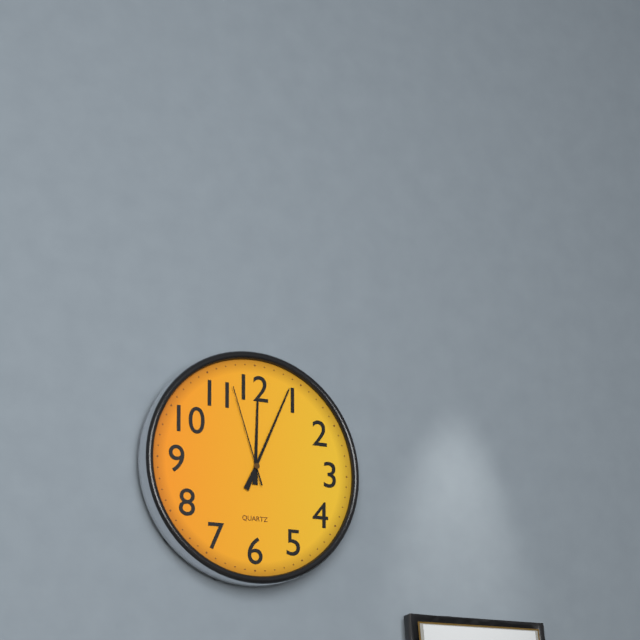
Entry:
12 h 04 min 57 s
